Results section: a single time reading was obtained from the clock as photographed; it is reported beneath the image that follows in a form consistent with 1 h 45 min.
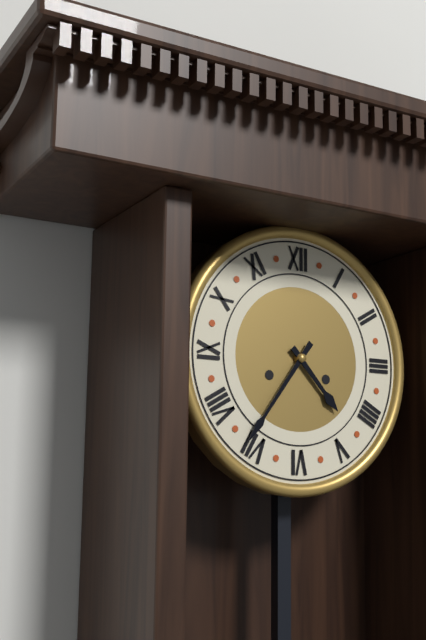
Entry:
4 h 36 min
